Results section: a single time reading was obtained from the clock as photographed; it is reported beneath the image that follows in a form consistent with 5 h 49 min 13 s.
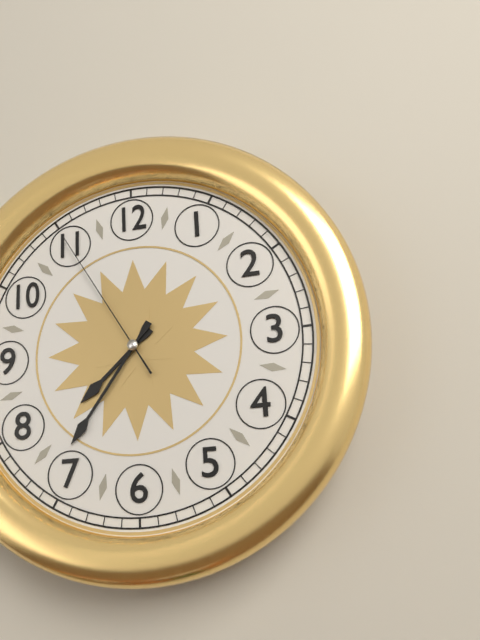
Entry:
7 h 36 min 55 s
